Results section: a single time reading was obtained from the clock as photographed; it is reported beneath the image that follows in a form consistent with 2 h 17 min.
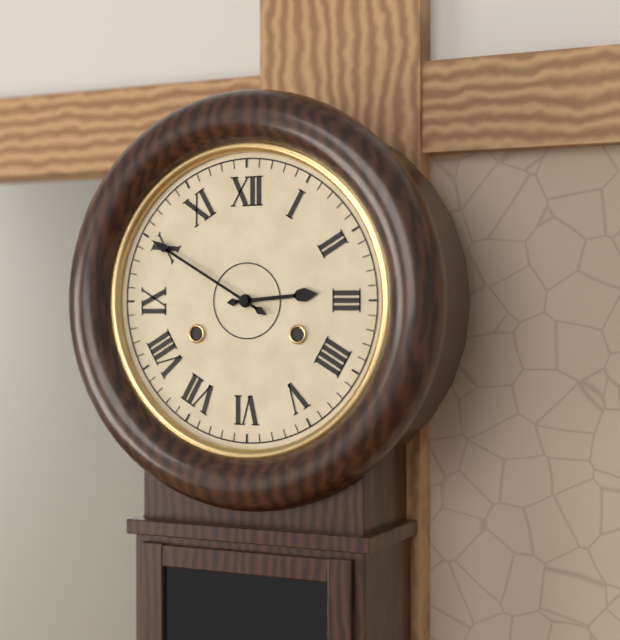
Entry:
2 h 50 min
